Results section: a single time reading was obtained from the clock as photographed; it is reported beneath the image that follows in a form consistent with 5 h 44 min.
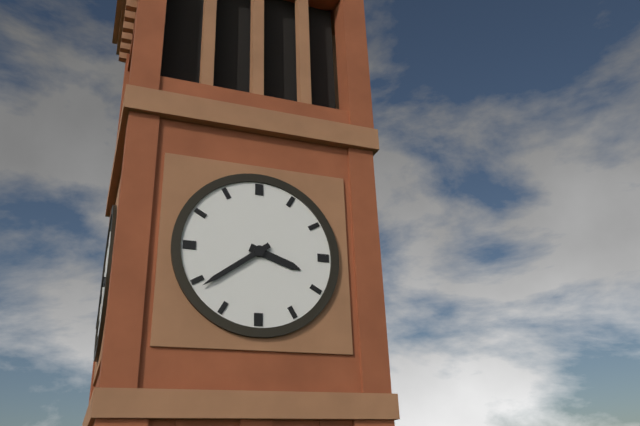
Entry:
3 h 39 min
